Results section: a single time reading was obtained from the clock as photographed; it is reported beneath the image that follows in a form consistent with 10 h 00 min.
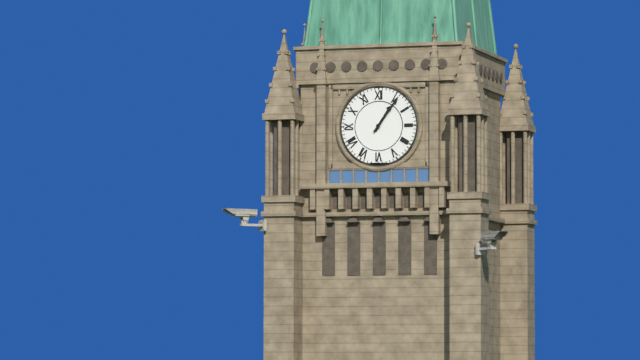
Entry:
1 h 06 min
